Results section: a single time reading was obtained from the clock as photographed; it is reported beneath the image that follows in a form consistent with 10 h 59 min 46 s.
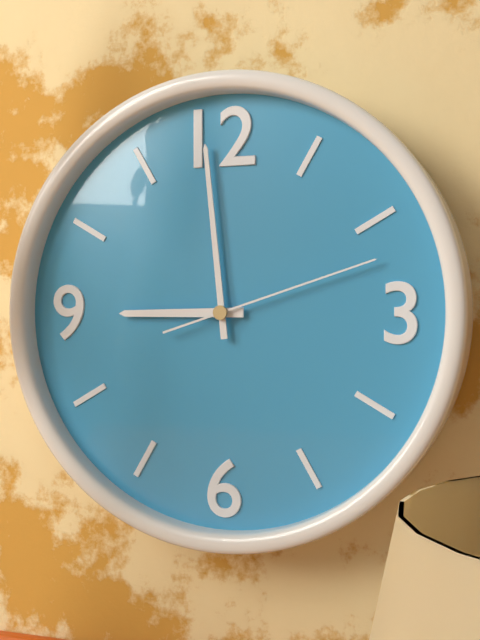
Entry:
8 h 59 min 12 s
